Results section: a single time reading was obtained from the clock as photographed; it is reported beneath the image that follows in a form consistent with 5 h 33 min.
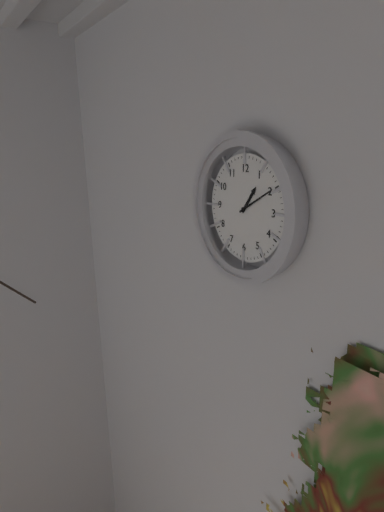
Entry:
1 h 10 min
